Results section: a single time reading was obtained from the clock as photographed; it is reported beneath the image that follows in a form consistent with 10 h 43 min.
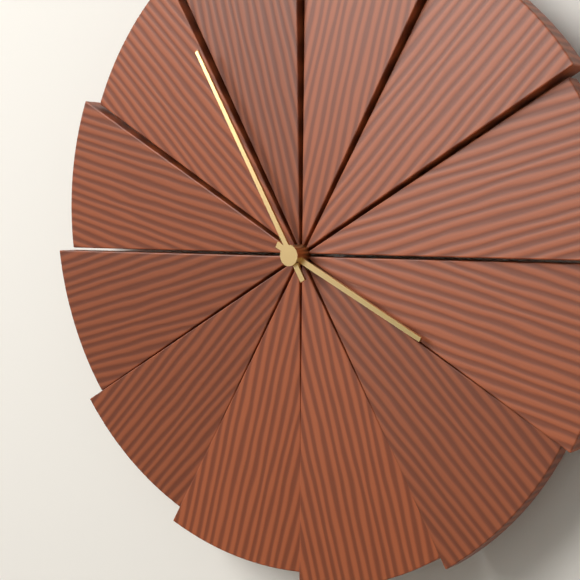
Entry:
3 h 55 min
